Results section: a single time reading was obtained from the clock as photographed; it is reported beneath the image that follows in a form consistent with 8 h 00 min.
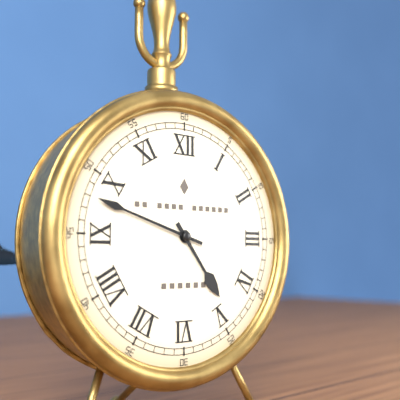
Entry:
4 h 48 min
